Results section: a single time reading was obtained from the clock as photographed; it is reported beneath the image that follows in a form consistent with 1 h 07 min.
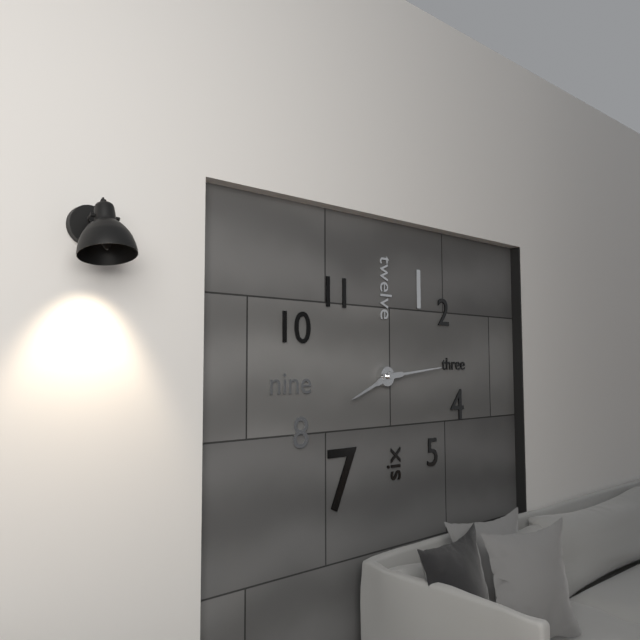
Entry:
8 h 14 min
